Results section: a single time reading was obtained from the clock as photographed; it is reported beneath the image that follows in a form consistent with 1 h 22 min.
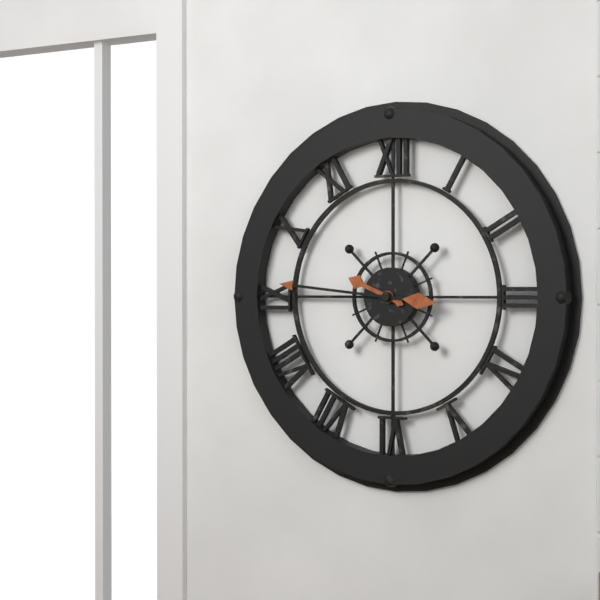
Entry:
9 h 46 min
